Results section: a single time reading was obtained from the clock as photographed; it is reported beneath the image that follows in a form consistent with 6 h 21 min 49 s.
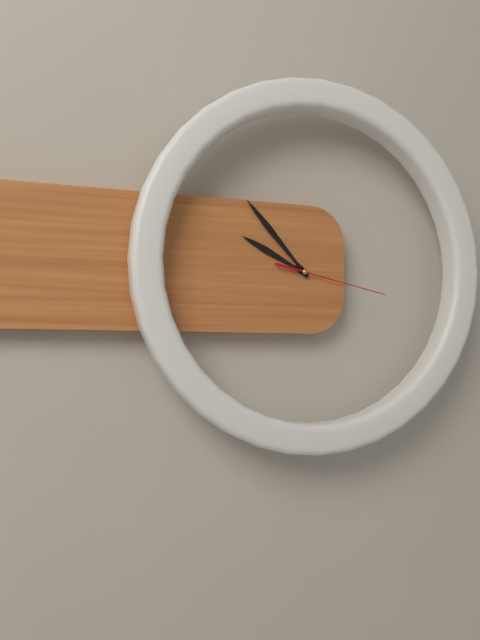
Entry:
9 h 53 min 17 s
